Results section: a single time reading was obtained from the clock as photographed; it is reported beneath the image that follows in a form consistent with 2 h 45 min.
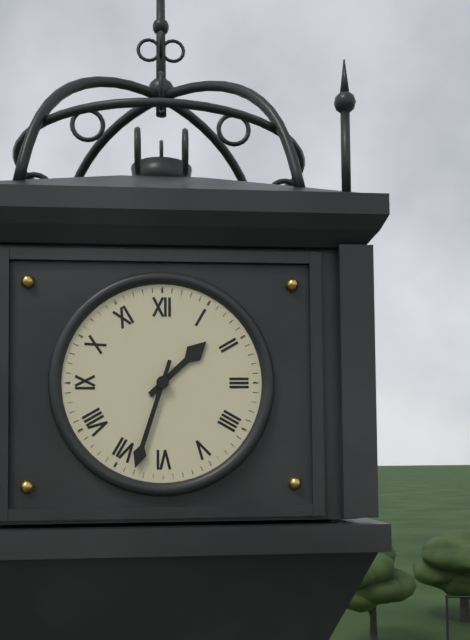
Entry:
1 h 33 min
